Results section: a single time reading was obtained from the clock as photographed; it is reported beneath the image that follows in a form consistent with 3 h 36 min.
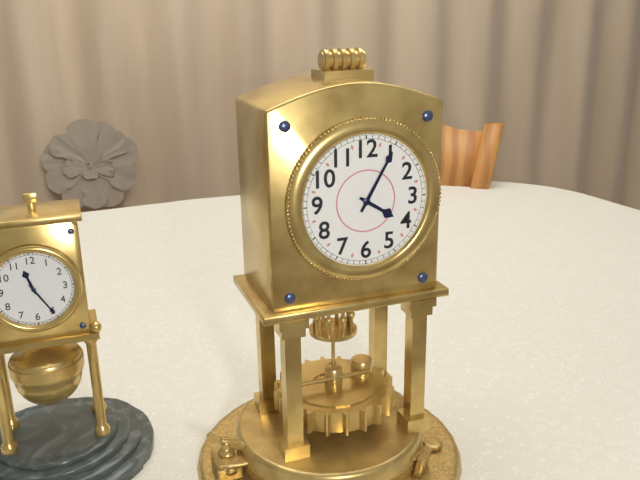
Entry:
4 h 05 min
